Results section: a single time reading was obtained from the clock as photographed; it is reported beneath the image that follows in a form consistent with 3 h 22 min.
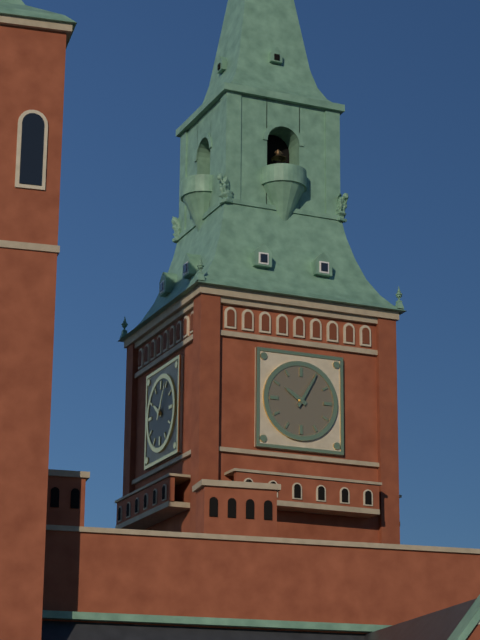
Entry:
10 h 05 min
